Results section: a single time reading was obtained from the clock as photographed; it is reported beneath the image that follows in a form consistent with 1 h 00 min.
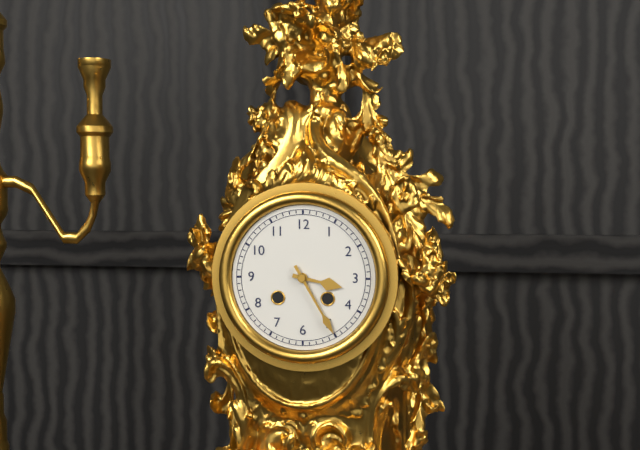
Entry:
3 h 25 min
